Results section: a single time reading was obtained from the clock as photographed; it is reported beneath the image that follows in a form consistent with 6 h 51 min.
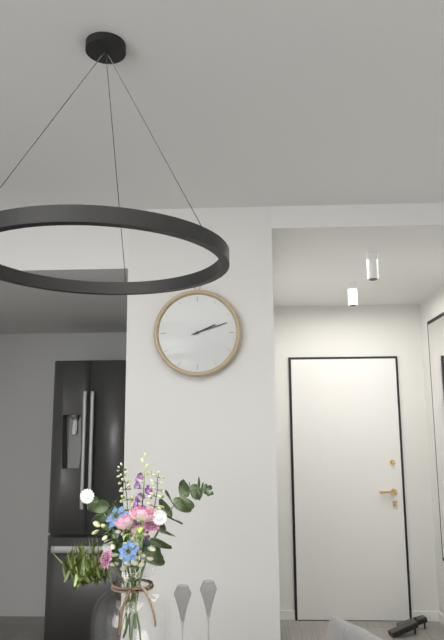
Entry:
2 h 12 min
